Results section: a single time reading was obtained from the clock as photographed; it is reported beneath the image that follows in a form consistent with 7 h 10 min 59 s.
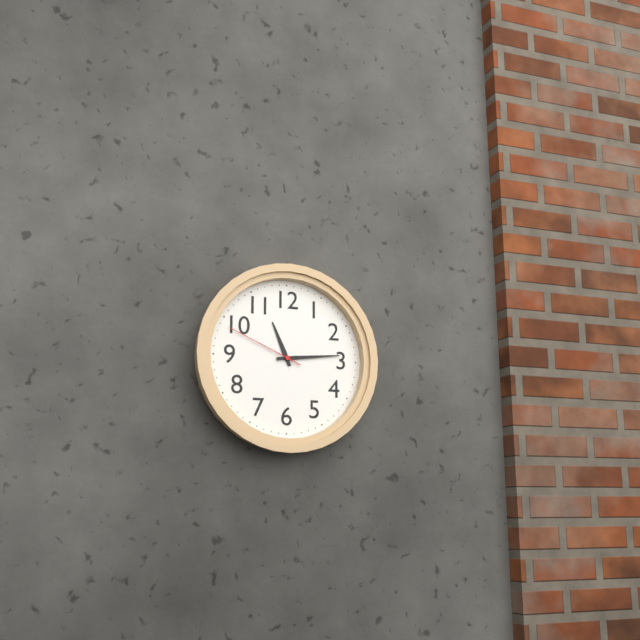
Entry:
11 h 14 min 49 s
